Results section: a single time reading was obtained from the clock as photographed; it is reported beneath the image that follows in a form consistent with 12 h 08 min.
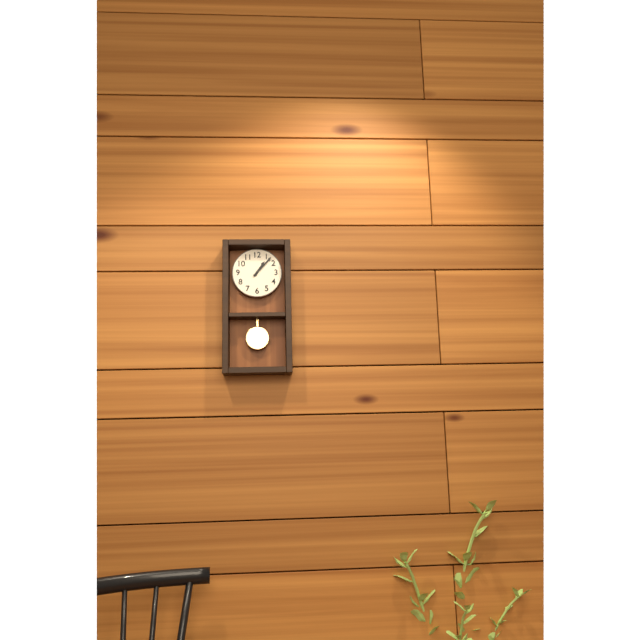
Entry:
1 h 07 min
